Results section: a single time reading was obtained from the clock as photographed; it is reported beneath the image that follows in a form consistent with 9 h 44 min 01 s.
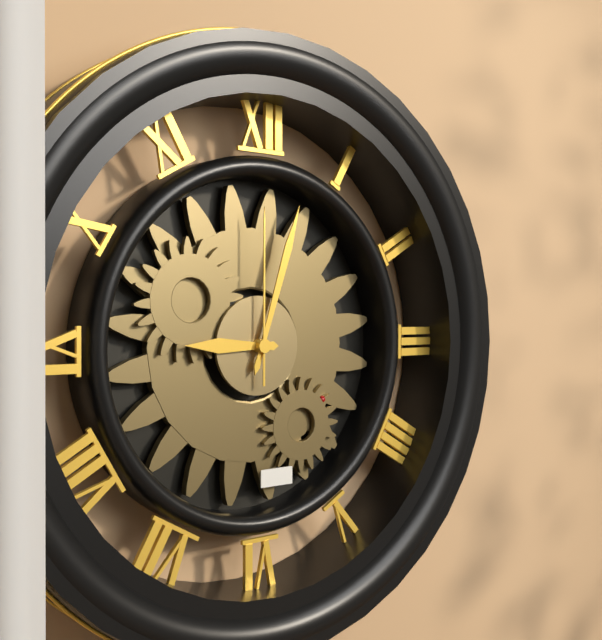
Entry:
9 h 03 min 00 s
